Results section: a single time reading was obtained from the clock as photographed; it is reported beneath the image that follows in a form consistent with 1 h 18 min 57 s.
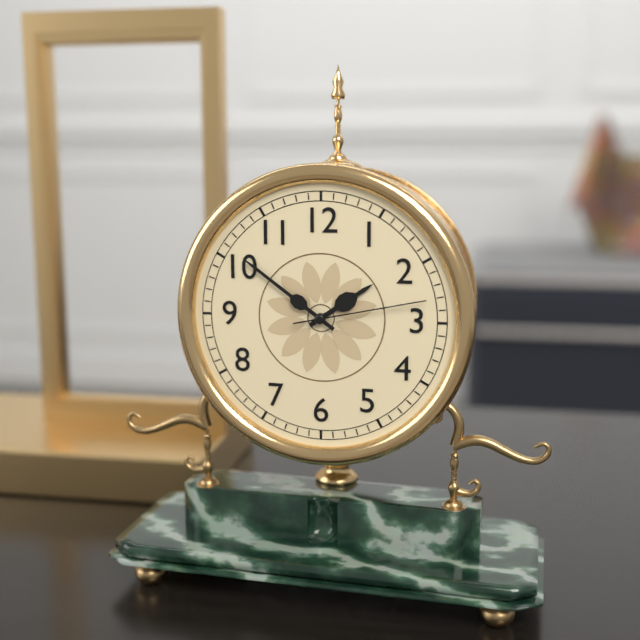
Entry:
1 h 51 min 13 s
